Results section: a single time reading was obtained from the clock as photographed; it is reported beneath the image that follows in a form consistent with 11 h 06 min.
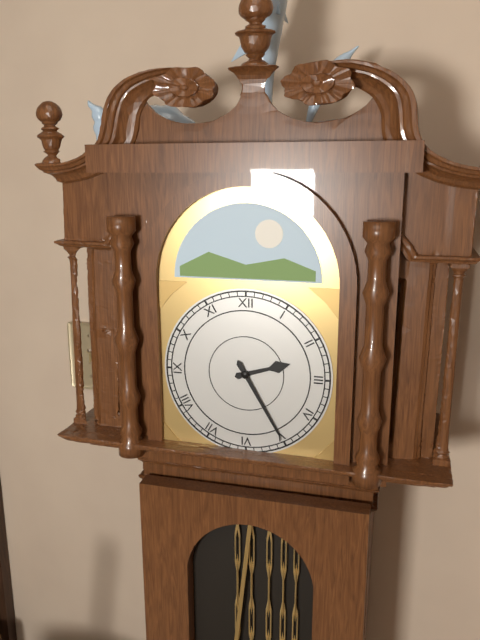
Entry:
2 h 25 min
